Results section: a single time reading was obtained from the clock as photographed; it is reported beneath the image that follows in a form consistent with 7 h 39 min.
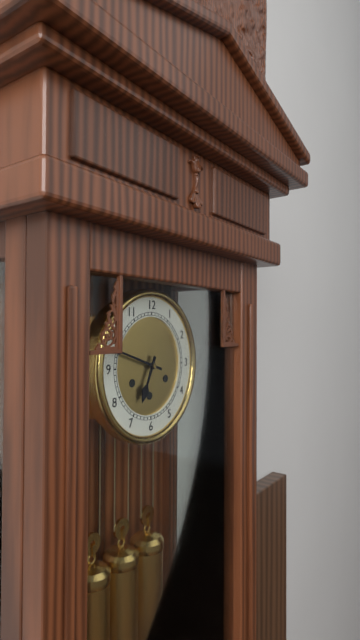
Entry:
6 h 48 min
